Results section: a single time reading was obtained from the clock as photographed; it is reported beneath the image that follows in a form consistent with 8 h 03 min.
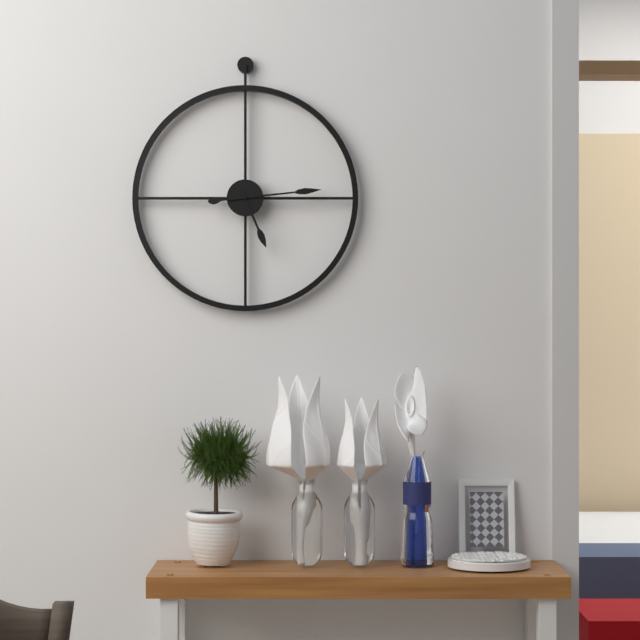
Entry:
5 h 14 min
